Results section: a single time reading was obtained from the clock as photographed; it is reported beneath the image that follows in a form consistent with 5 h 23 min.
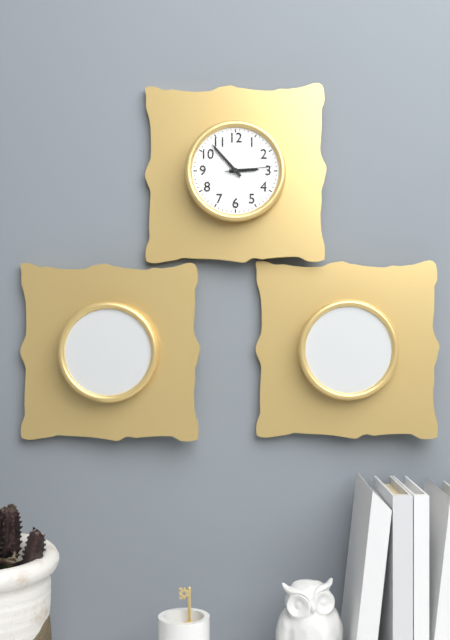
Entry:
2 h 53 min
